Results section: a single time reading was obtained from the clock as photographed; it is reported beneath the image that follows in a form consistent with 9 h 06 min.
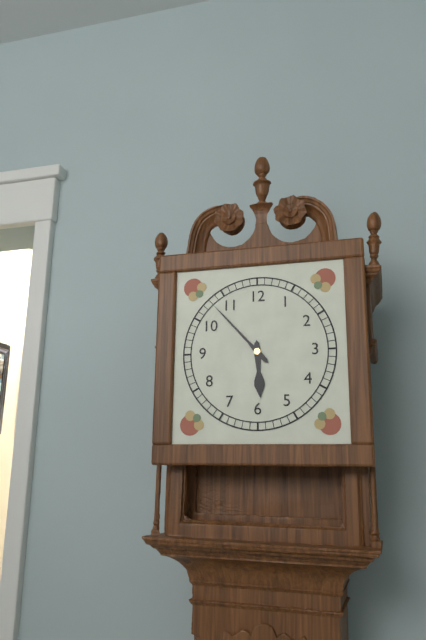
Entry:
5 h 53 min
